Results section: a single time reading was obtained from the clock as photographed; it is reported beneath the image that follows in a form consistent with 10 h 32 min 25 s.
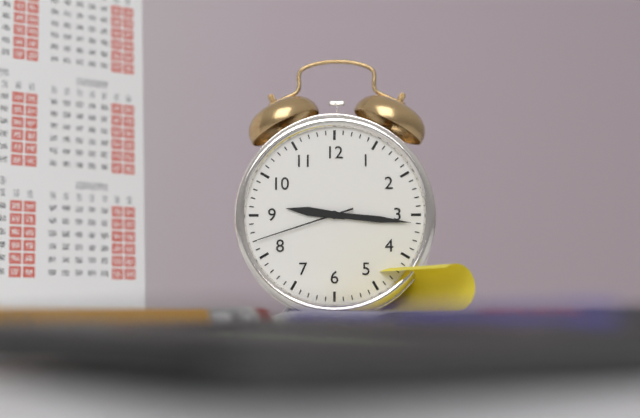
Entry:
9 h 16 min 42 s
